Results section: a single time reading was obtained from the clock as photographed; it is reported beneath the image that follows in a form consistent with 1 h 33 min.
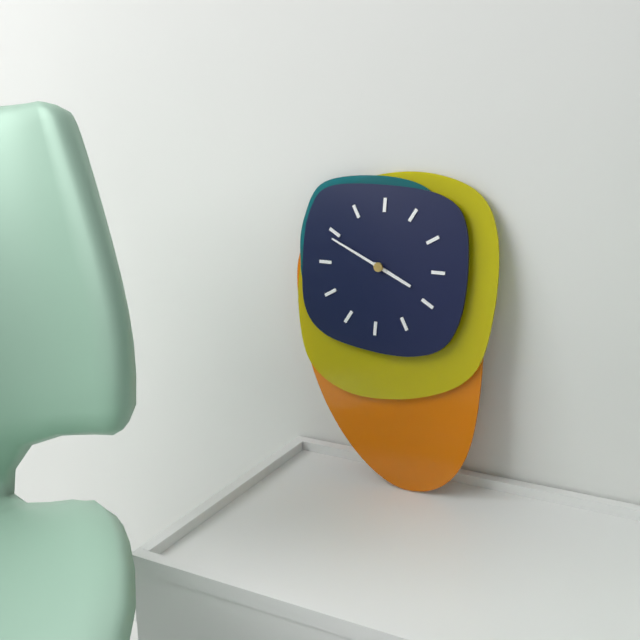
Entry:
3 h 49 min
